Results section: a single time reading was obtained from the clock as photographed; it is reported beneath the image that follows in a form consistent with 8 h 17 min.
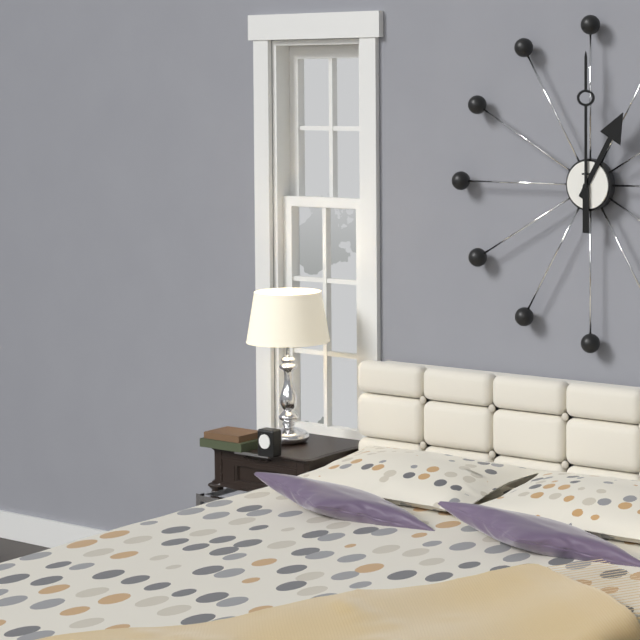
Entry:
1 h 00 min
